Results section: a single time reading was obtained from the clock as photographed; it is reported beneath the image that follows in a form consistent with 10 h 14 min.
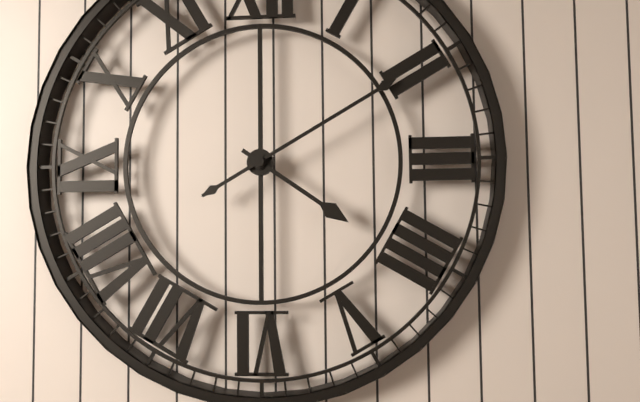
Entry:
4 h 10 min
